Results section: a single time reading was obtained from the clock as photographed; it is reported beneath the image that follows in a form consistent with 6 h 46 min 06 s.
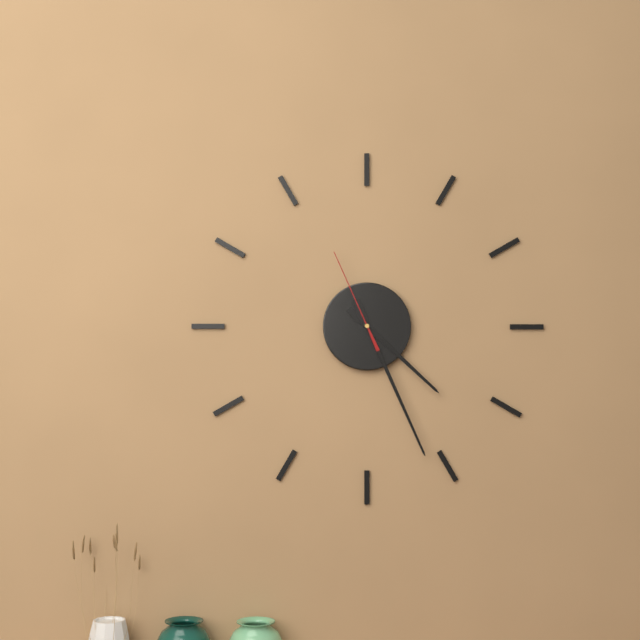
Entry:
4 h 26 min 56 s
